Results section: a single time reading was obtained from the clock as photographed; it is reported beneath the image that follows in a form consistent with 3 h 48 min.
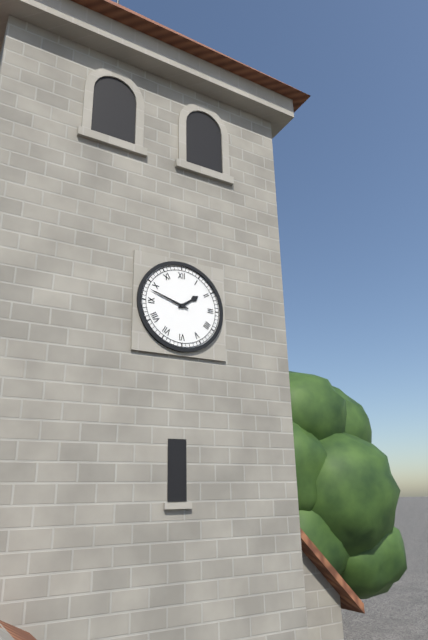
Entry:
1 h 48 min
